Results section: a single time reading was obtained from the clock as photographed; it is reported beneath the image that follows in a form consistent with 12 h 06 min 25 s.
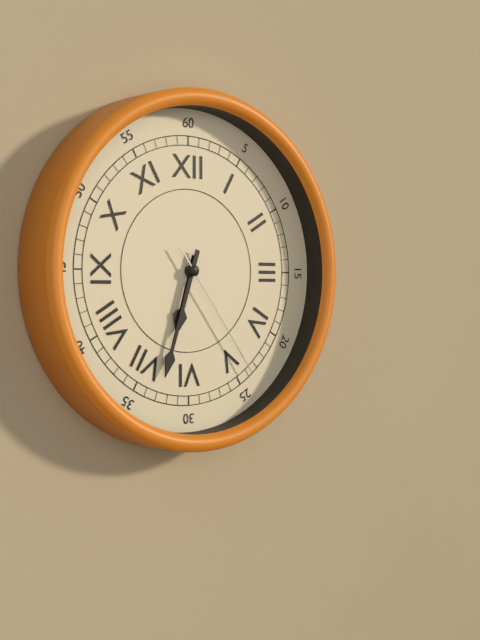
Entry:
6 h 33 min 24 s
